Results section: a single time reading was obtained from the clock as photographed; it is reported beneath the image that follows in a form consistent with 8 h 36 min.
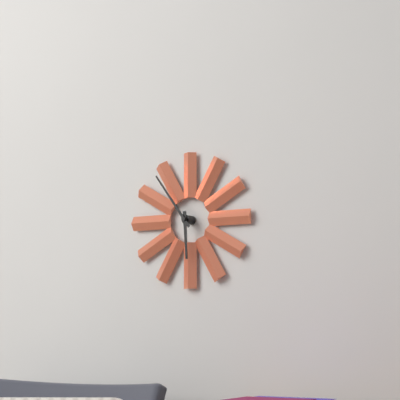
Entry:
5 h 54 min
